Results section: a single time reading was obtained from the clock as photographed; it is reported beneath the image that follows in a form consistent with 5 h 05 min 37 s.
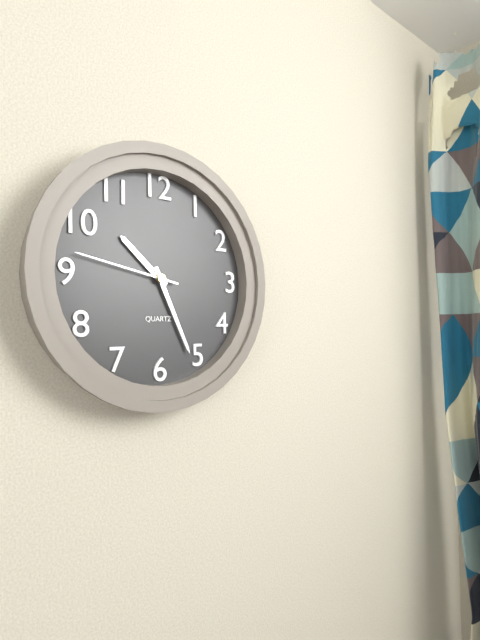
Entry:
10 h 26 min 47 s
